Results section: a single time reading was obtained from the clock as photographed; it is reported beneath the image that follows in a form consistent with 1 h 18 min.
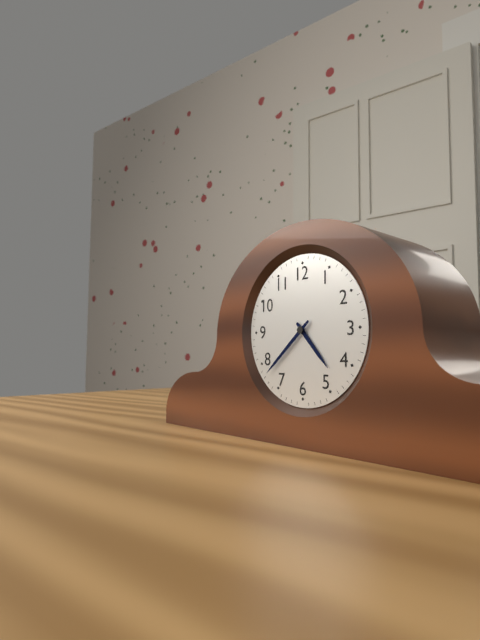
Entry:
4 h 38 min
